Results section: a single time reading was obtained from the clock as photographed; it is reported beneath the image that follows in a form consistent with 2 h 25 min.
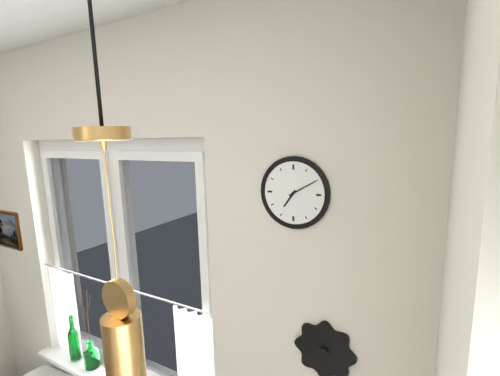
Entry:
7 h 10 min
